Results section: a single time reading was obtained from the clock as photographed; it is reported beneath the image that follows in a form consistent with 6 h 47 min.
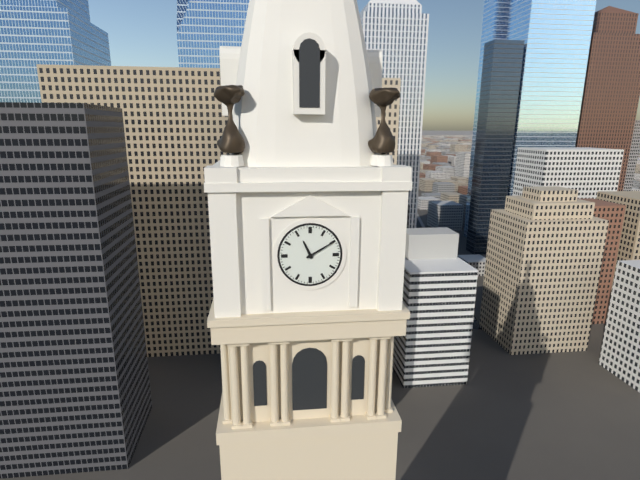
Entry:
11 h 10 min
